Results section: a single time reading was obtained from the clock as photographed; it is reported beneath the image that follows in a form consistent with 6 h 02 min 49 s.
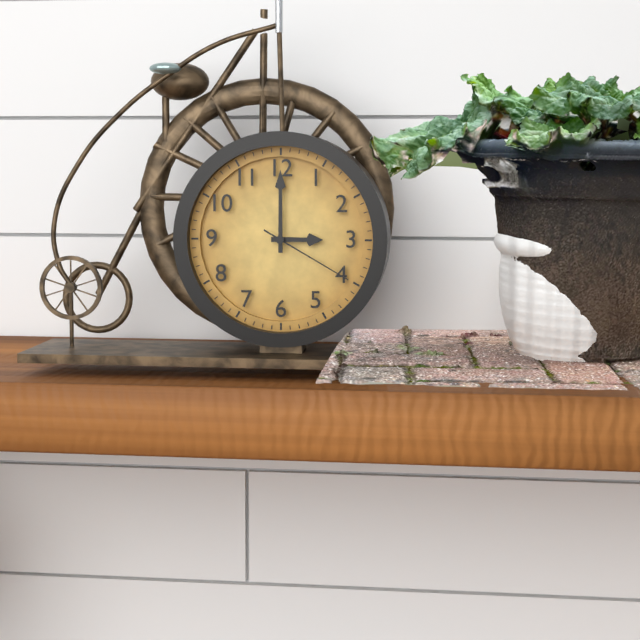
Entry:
3 h 00 min 20 s
